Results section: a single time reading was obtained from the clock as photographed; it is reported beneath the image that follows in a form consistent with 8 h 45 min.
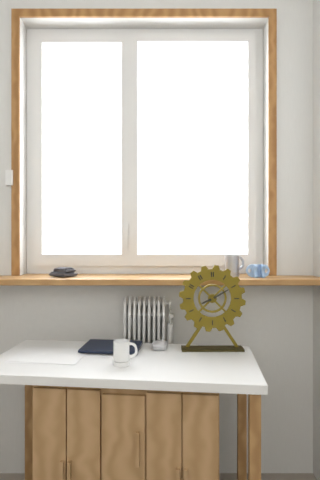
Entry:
8 h 10 min
